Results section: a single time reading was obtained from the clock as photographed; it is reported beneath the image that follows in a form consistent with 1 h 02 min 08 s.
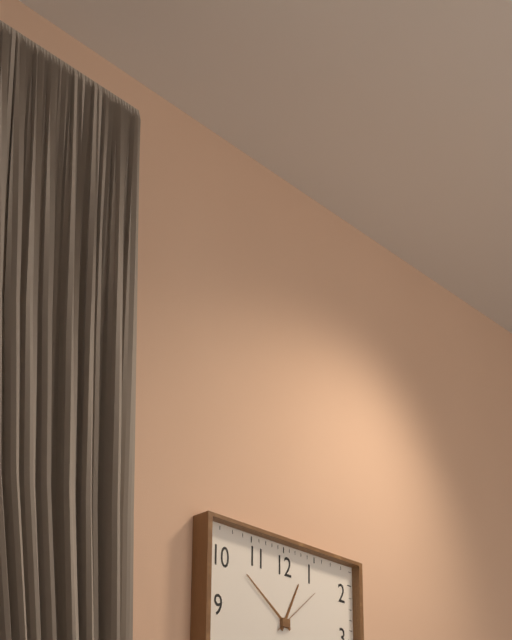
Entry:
12 h 51 min 08 s
